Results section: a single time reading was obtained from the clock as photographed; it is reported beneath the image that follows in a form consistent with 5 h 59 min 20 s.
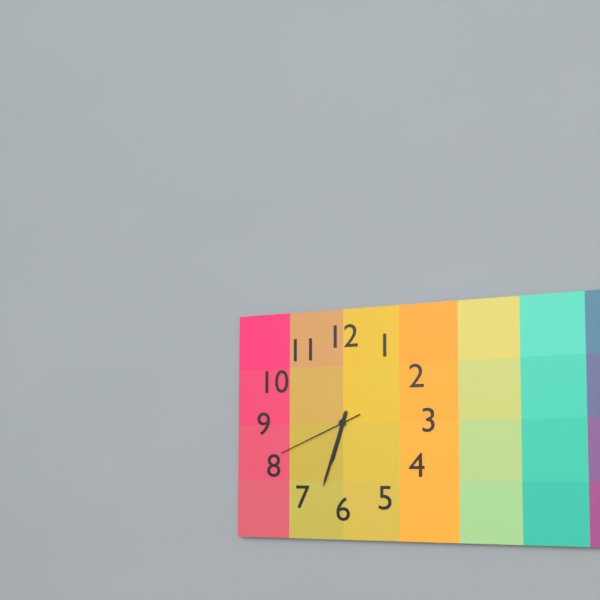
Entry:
6 h 33 min 41 s
